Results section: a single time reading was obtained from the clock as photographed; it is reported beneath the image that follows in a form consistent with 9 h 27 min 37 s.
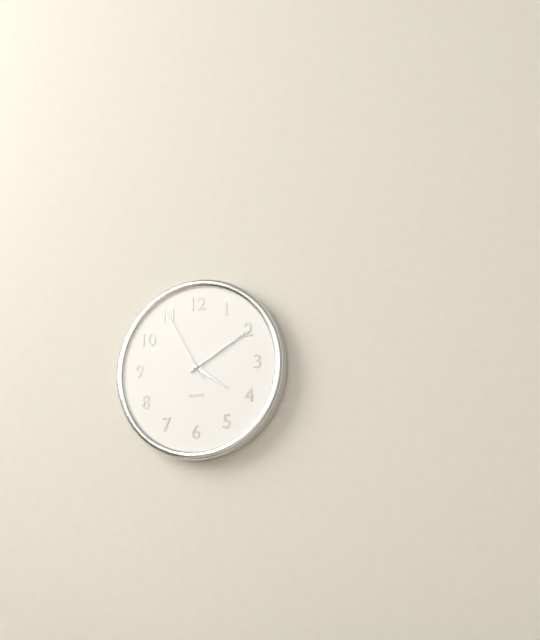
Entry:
4 h 10 min 55 s
